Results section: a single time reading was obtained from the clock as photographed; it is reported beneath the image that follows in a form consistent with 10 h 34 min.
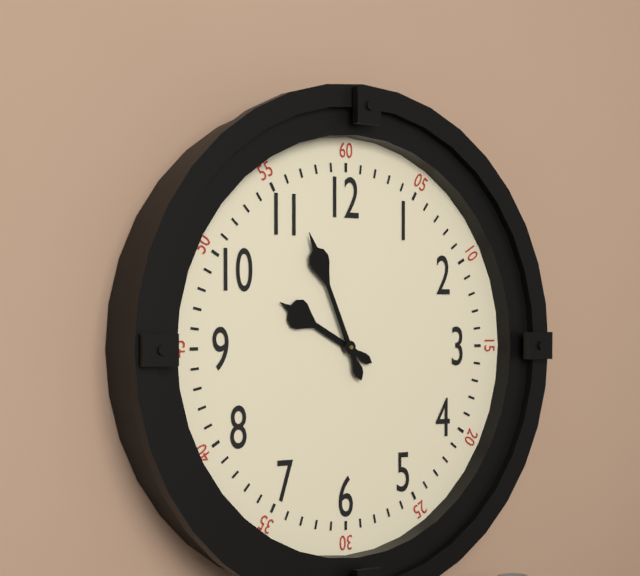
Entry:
9 h 56 min
